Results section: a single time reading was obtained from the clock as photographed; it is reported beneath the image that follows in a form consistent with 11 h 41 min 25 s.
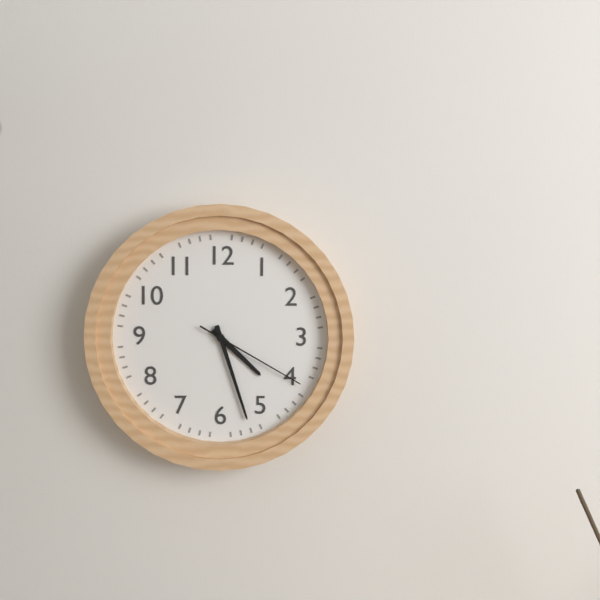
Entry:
4 h 27 min 20 s
